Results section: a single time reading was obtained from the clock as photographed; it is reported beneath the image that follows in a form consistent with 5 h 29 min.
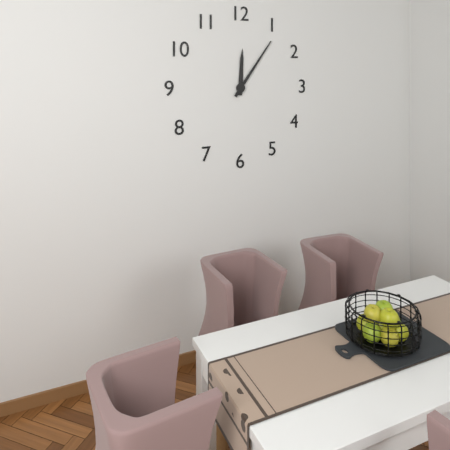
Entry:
12 h 06 min
